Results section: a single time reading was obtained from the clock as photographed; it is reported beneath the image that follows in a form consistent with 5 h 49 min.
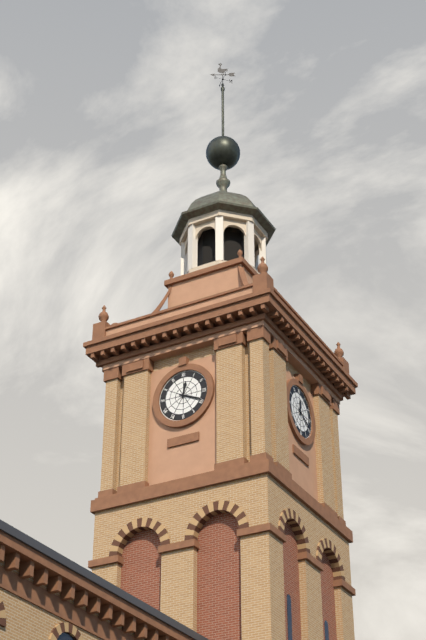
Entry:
12 h 19 min
